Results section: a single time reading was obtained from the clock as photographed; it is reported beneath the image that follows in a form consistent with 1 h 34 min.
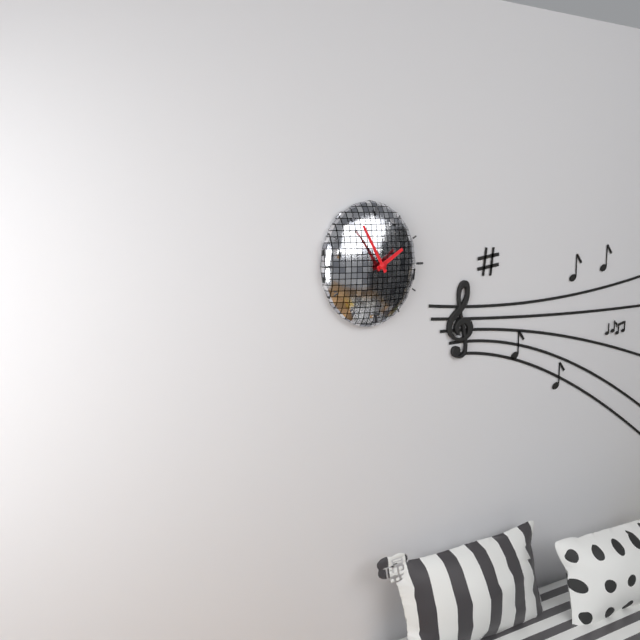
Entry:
1 h 55 min
